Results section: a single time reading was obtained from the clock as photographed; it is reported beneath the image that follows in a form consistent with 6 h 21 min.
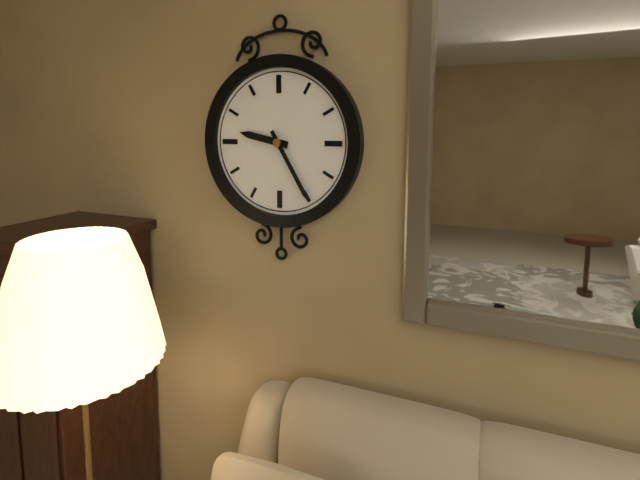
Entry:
9 h 25 min
